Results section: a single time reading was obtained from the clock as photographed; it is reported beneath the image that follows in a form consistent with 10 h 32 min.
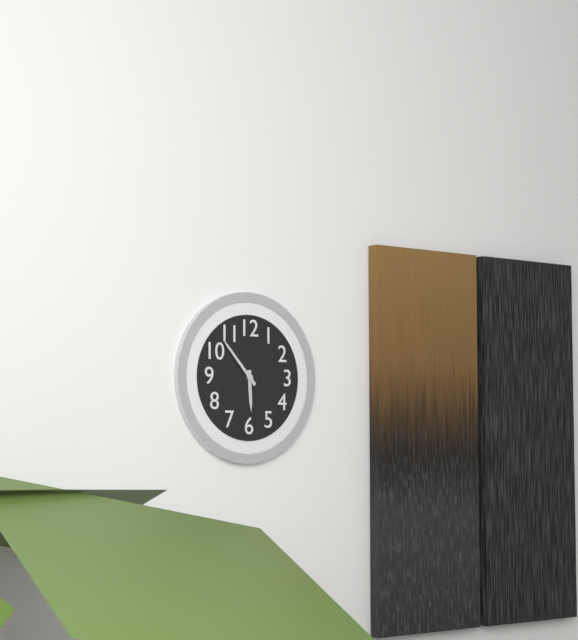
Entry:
5 h 53 min
